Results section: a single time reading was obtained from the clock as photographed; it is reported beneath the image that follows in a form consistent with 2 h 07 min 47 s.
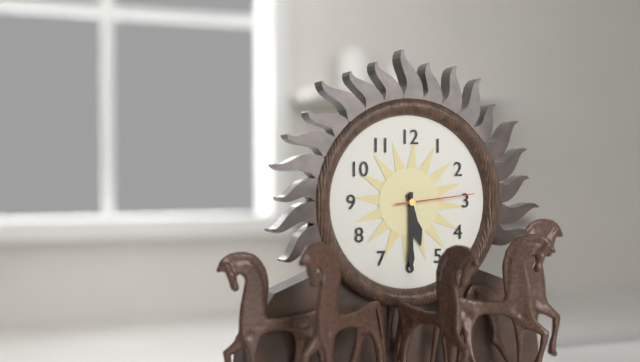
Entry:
5 h 30 min 14 s
